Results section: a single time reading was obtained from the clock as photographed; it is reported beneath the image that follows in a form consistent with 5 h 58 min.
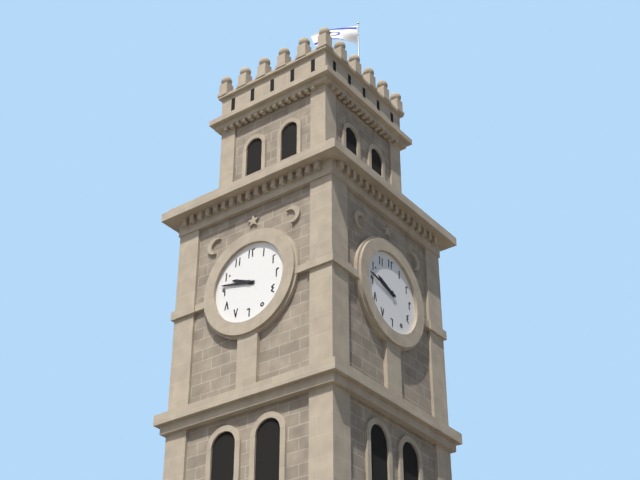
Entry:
9 h 47 min
